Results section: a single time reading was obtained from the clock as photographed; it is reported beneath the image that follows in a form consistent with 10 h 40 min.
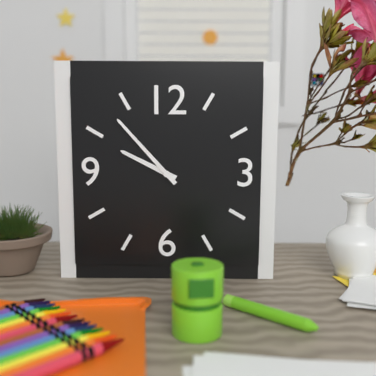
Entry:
9 h 53 min
